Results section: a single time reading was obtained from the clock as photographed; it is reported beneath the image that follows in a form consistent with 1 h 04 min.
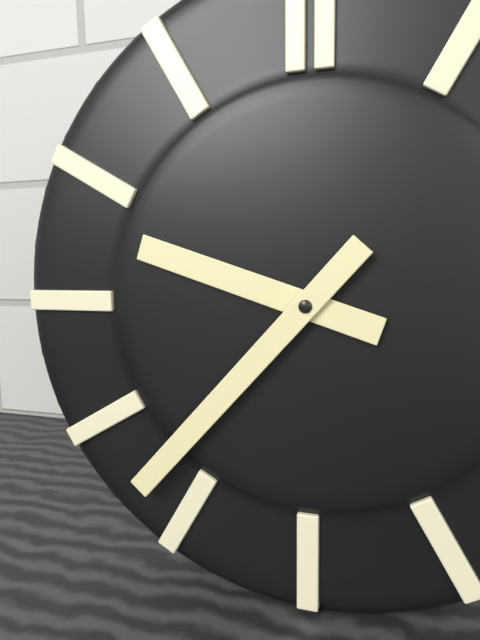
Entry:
9 h 37 min
